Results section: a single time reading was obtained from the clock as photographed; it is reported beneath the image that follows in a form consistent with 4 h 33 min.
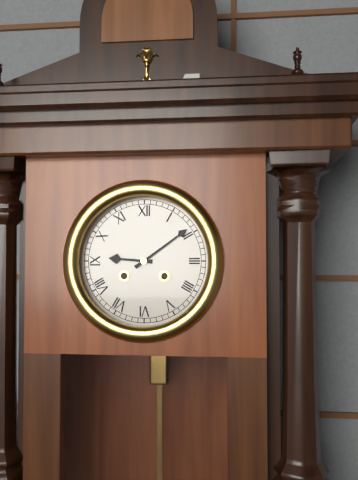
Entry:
9 h 09 min
